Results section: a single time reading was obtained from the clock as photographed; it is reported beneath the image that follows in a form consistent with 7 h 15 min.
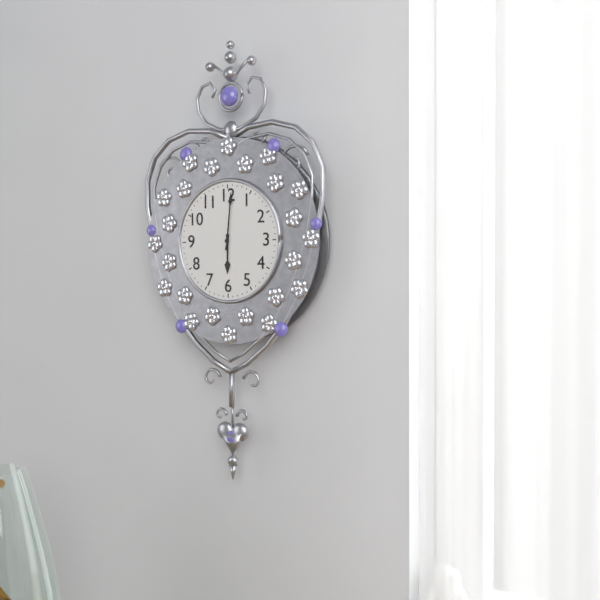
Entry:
6 h 01 min
